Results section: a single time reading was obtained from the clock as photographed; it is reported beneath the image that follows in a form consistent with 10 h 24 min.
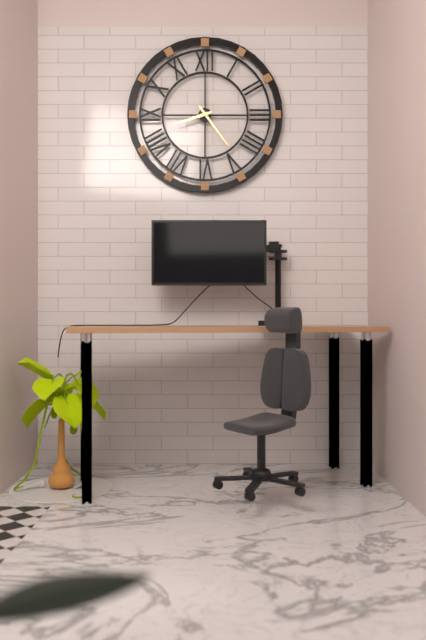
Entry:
8 h 24 min
